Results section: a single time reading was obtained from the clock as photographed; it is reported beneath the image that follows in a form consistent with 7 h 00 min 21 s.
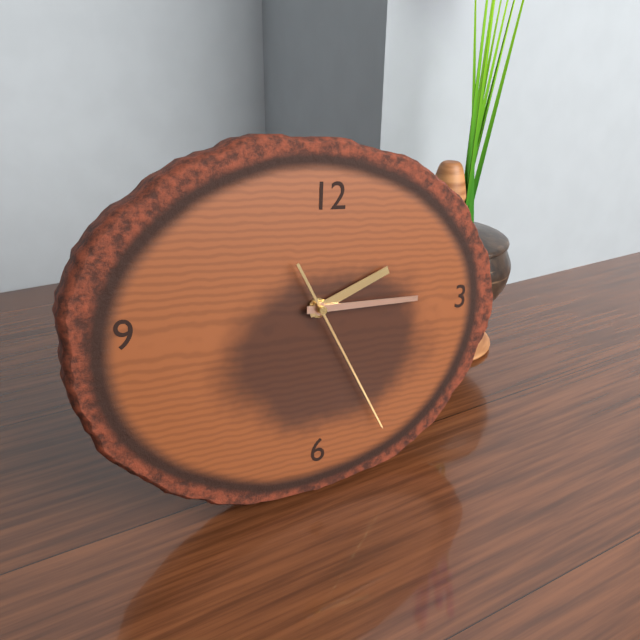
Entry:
2 h 15 min 25 s
